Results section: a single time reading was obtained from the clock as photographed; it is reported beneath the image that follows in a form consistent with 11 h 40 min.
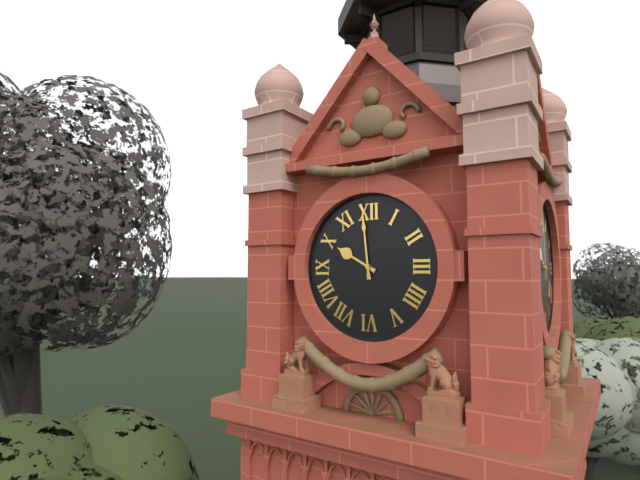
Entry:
9 h 59 min
